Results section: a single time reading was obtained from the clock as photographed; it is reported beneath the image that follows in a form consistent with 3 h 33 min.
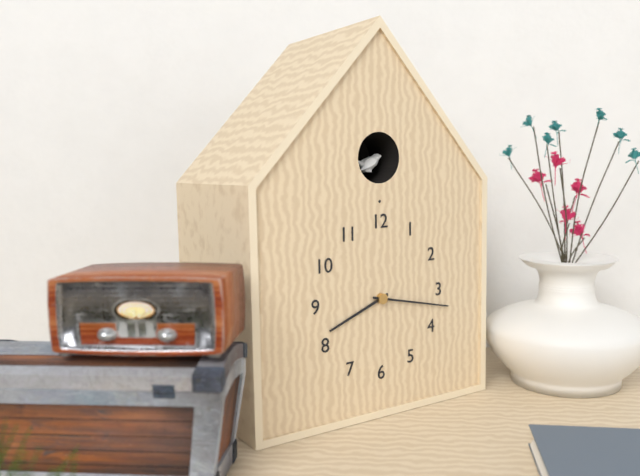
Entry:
8 h 17 min
